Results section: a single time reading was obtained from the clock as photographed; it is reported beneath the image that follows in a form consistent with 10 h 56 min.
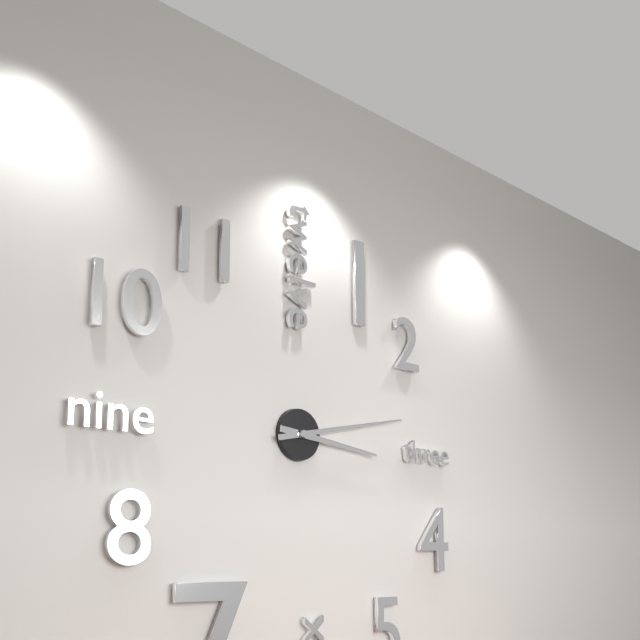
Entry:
3 h 13 min
